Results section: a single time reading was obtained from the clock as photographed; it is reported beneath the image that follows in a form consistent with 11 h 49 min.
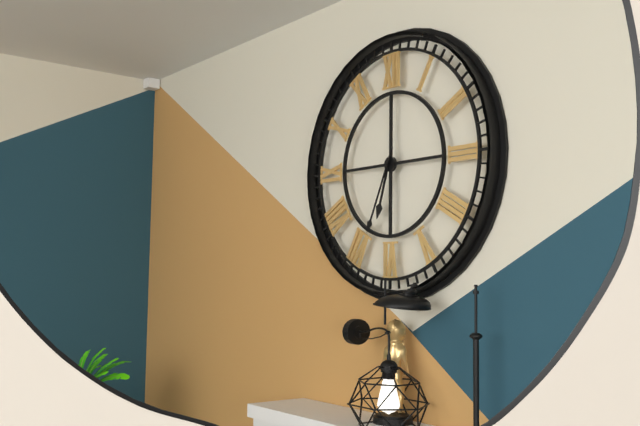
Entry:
6 h 34 min
